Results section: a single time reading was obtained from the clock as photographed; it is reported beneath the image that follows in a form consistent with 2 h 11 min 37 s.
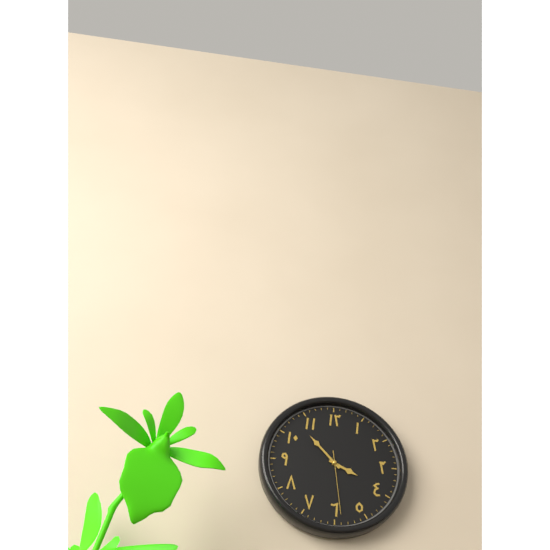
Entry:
3 h 53 min 29 s
